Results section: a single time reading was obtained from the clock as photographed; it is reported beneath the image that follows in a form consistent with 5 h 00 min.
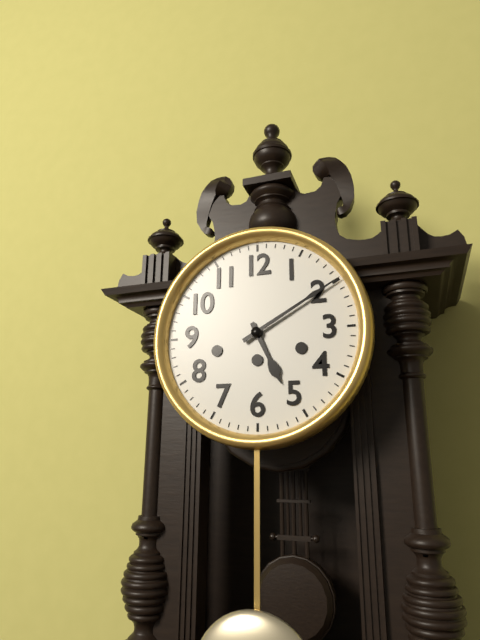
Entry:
5 h 10 min
